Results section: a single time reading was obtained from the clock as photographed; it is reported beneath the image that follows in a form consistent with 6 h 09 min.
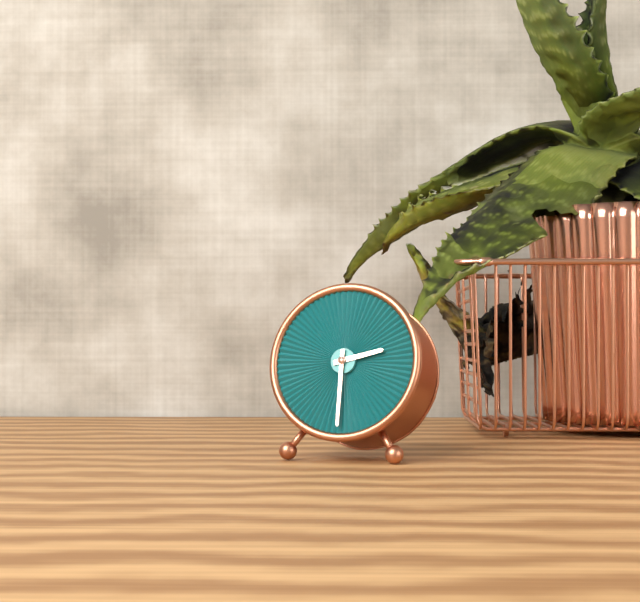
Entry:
2 h 30 min
